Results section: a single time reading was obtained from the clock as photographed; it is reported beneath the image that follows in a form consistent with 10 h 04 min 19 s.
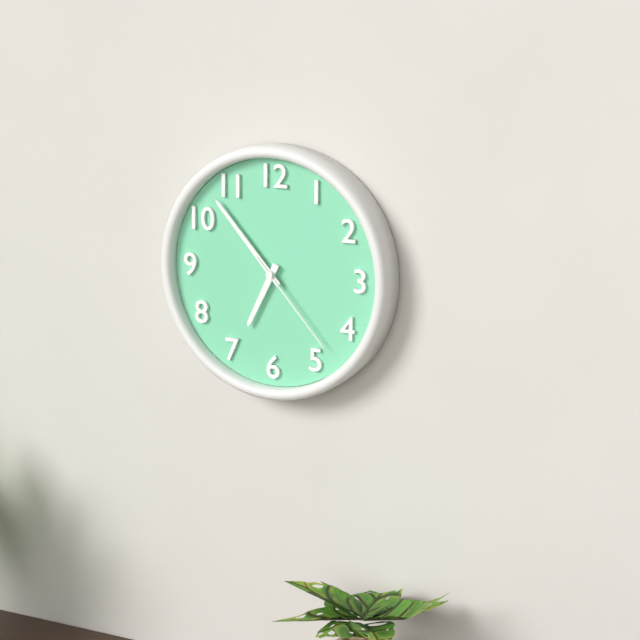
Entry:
6 h 53 min 23 s
